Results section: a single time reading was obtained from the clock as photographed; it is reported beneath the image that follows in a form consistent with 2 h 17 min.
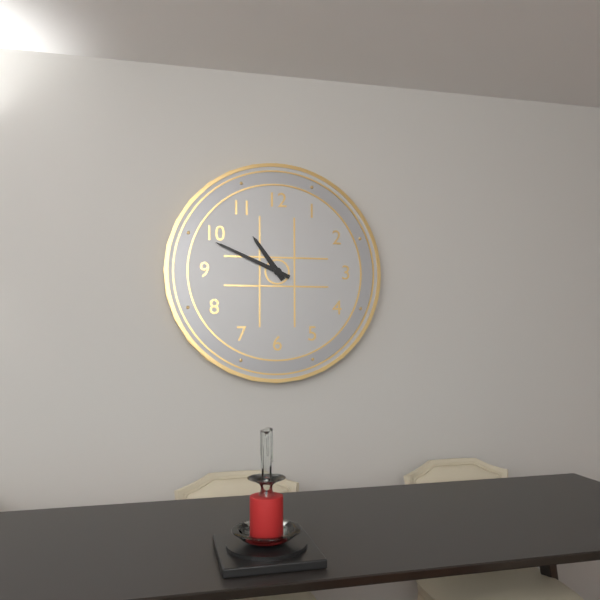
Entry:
10 h 49 min
